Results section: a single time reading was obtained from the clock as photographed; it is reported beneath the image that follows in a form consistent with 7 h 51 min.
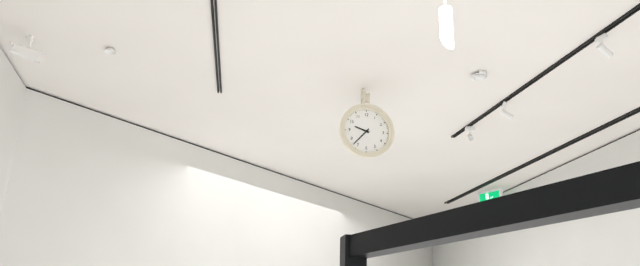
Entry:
9 h 37 min
